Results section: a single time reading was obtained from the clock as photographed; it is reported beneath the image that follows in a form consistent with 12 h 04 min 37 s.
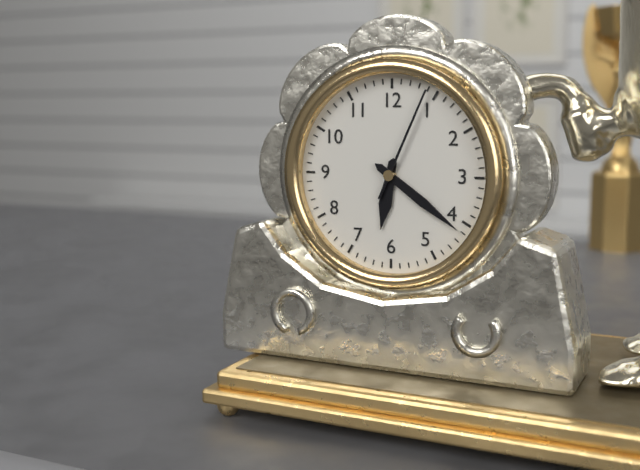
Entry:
6 h 21 min 04 s
